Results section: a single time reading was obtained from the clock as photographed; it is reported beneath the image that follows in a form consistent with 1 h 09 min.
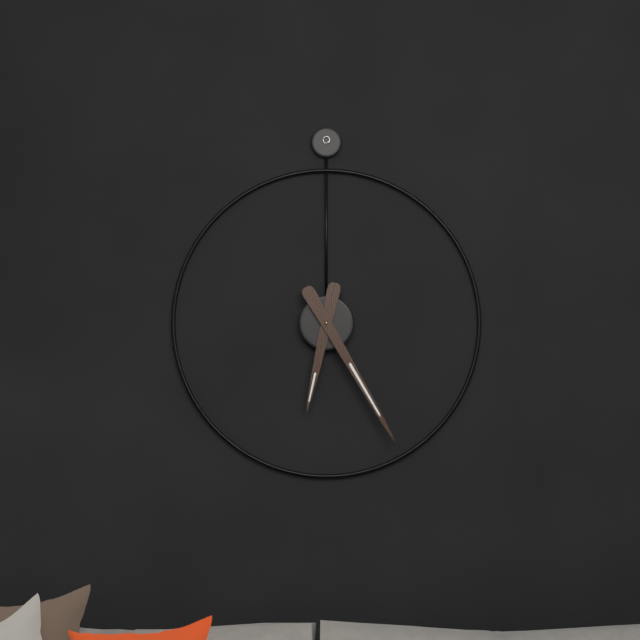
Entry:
6 h 25 min
